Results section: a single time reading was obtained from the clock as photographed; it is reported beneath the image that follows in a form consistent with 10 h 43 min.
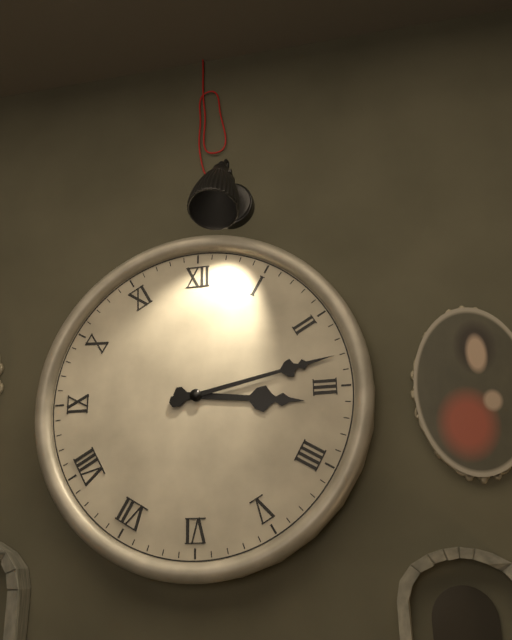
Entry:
3 h 13 min
